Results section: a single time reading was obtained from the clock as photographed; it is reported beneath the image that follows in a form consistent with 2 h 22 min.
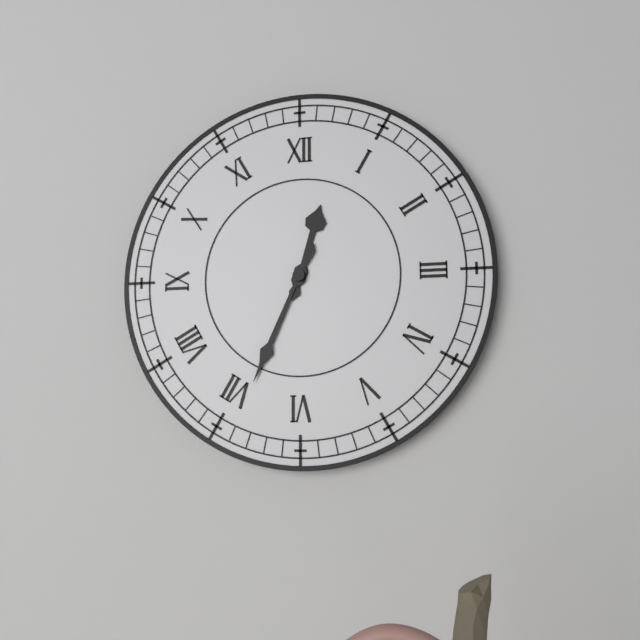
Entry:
12 h 34 min
